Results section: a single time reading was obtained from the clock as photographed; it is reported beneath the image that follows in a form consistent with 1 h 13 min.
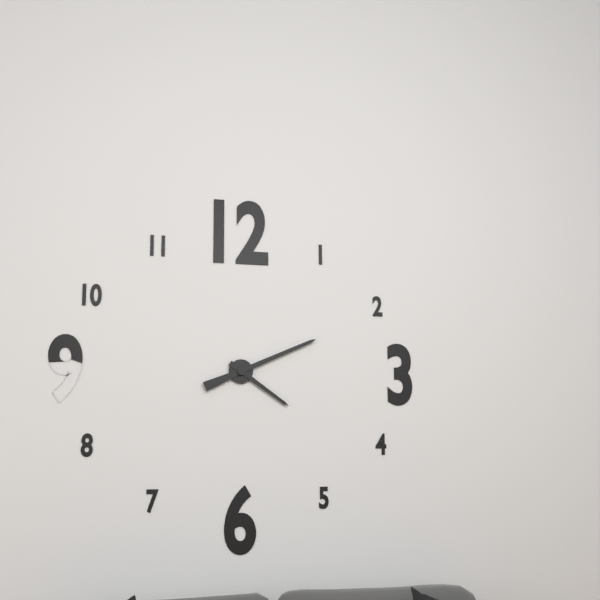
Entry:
4 h 11 min
